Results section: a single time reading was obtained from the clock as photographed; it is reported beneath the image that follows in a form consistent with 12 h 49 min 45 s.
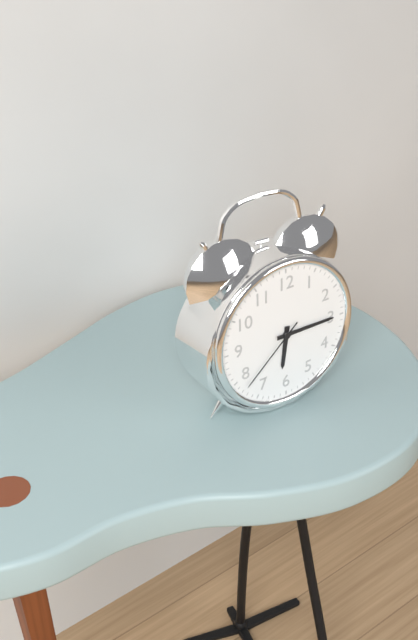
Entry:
6 h 15 min 38 s
